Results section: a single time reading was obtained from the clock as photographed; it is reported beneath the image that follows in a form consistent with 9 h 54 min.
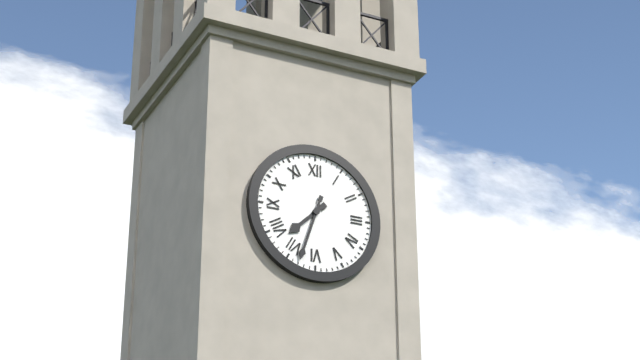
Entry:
7 h 33 min
